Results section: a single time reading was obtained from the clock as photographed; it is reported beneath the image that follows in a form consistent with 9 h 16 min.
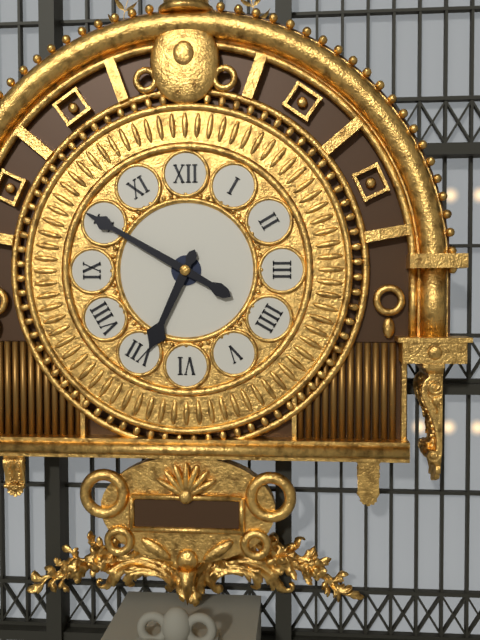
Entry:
6 h 50 min
